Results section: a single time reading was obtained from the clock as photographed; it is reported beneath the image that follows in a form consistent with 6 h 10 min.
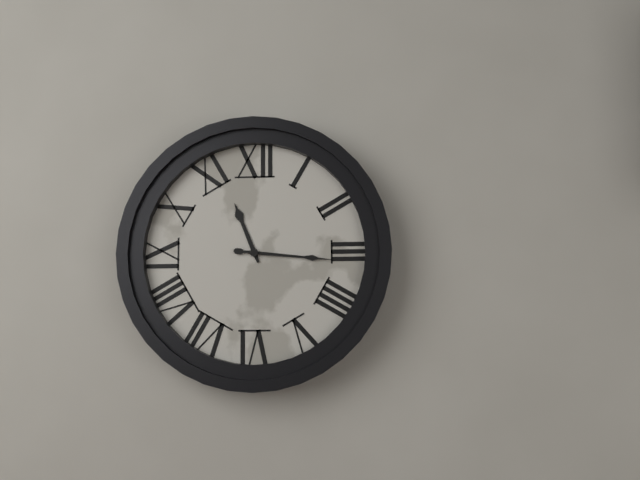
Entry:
11 h 16 min
